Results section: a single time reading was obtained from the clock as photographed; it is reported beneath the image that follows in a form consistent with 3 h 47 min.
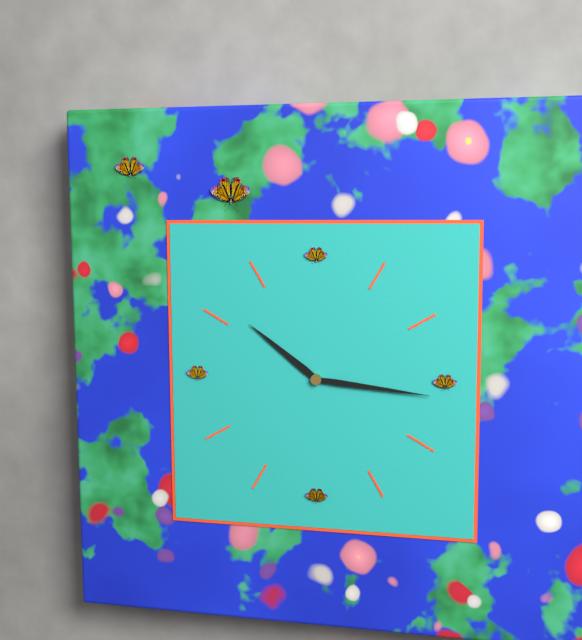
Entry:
10 h 16 min
